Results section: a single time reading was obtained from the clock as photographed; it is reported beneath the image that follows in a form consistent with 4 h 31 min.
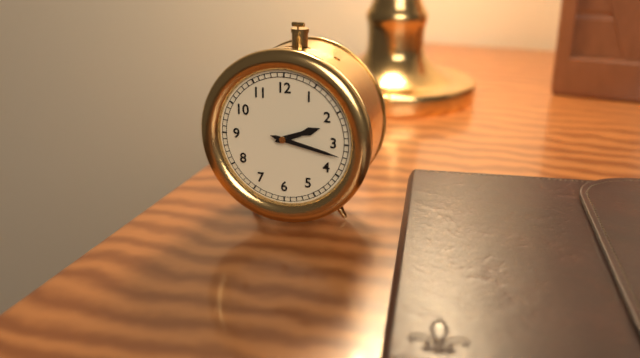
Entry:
2 h 17 min
